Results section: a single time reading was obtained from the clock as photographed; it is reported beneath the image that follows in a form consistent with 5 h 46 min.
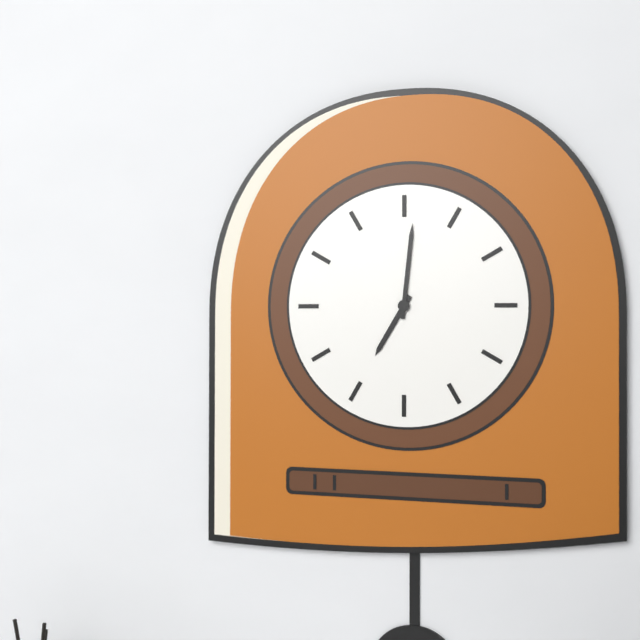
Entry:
7 h 01 min
